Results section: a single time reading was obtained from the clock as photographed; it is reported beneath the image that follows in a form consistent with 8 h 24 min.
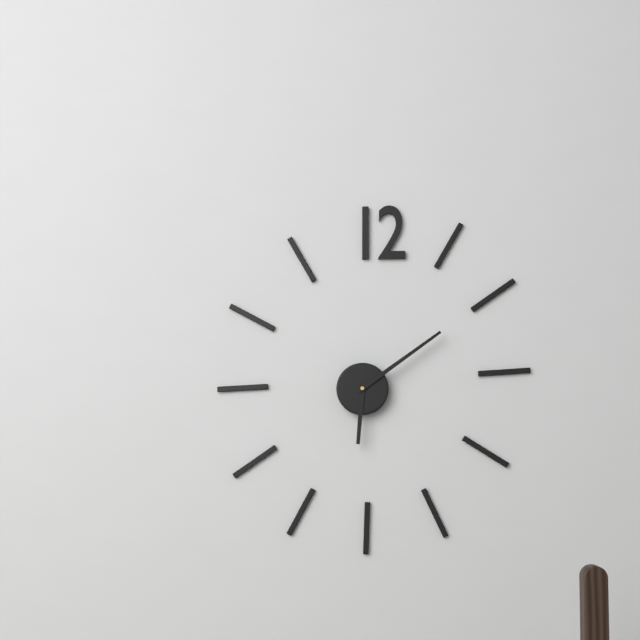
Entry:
6 h 09 min
